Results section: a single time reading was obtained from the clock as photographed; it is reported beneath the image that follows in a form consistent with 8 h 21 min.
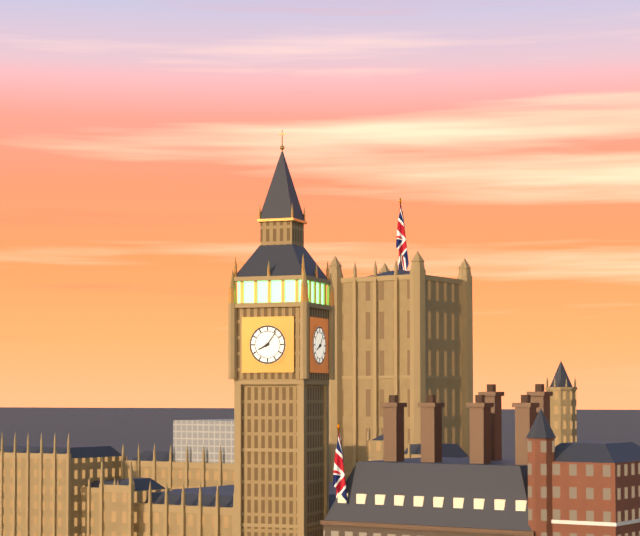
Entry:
8 h 06 min
